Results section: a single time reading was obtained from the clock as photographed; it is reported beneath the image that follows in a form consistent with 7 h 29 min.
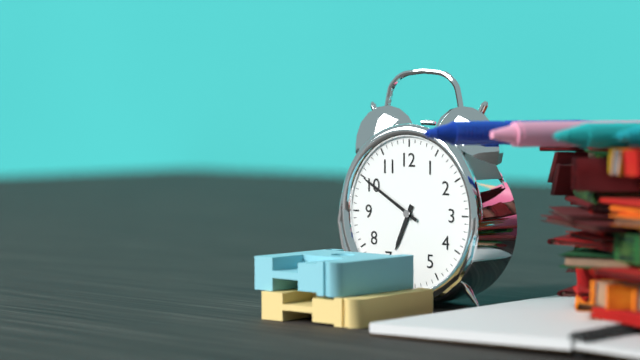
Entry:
6 h 50 min
